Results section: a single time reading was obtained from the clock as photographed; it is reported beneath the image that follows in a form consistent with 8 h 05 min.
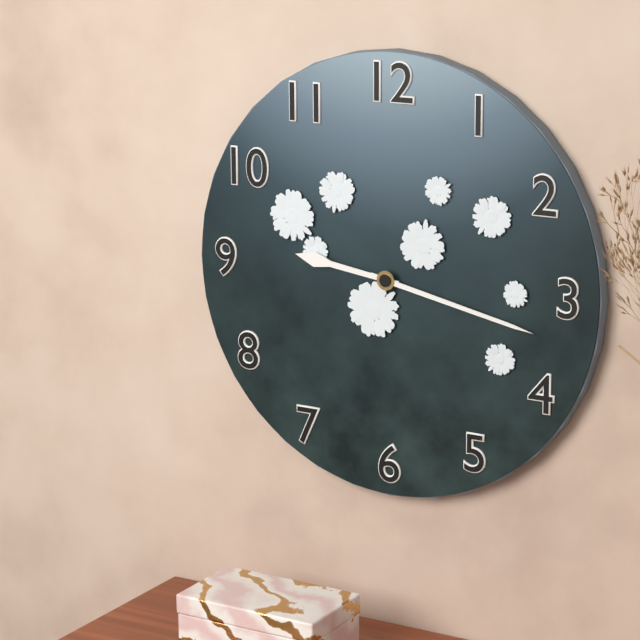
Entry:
9 h 17 min
